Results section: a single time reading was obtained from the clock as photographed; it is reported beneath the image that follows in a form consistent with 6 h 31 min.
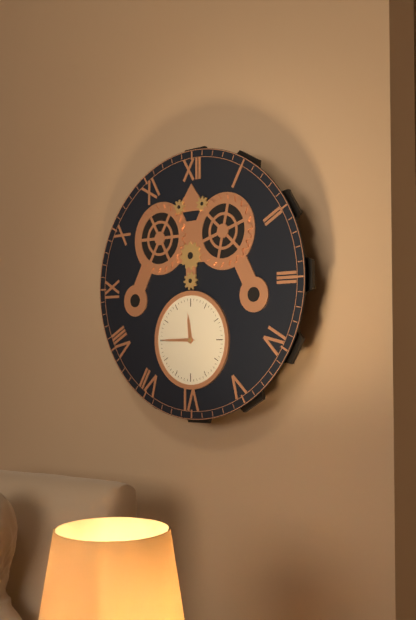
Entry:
11 h 45 min
